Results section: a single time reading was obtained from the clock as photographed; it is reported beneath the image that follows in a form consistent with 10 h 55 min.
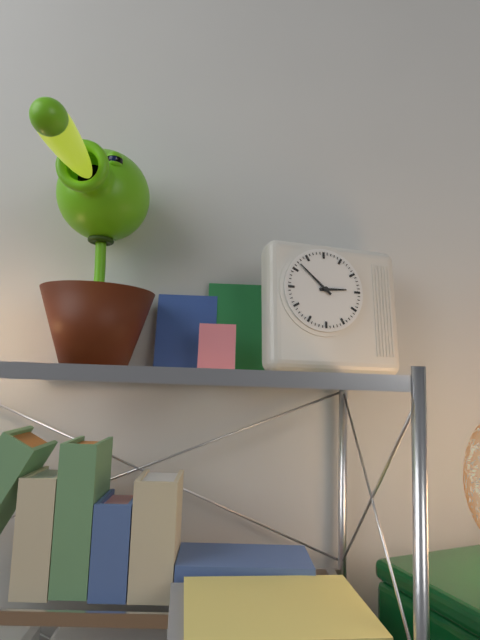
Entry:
2 h 52 min
